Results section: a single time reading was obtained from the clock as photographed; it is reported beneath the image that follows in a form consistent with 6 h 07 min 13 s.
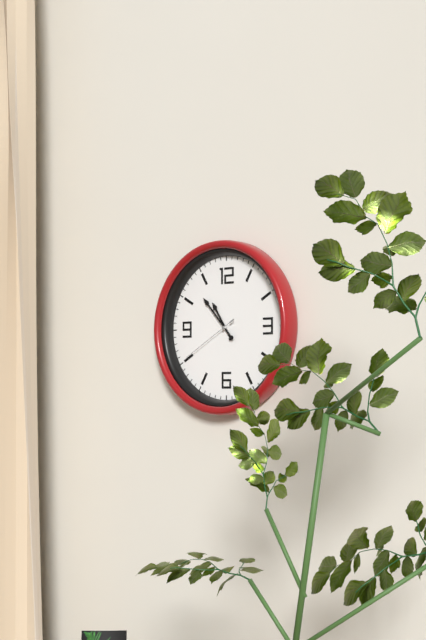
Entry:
10 h 53 min 40 s
